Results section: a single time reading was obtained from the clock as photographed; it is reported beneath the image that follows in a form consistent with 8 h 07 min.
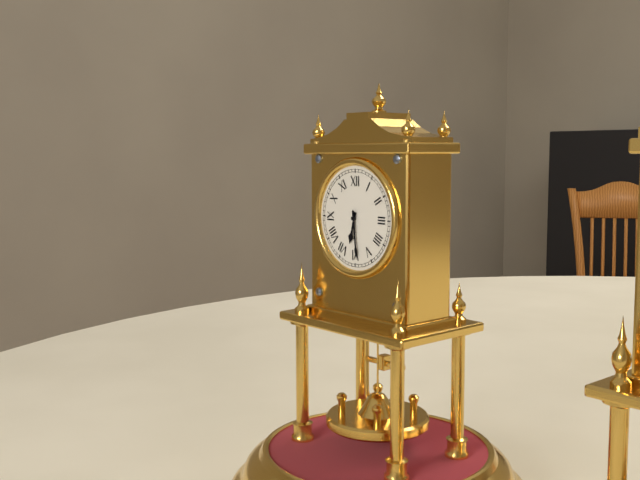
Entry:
6 h 29 min
